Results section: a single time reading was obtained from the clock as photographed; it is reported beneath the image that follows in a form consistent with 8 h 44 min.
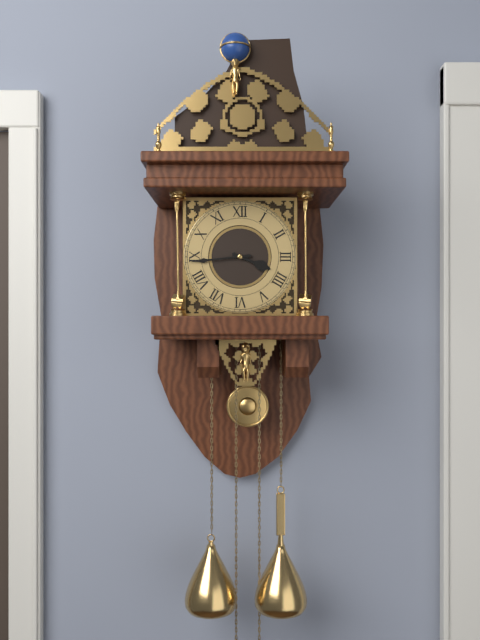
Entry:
3 h 44 min
